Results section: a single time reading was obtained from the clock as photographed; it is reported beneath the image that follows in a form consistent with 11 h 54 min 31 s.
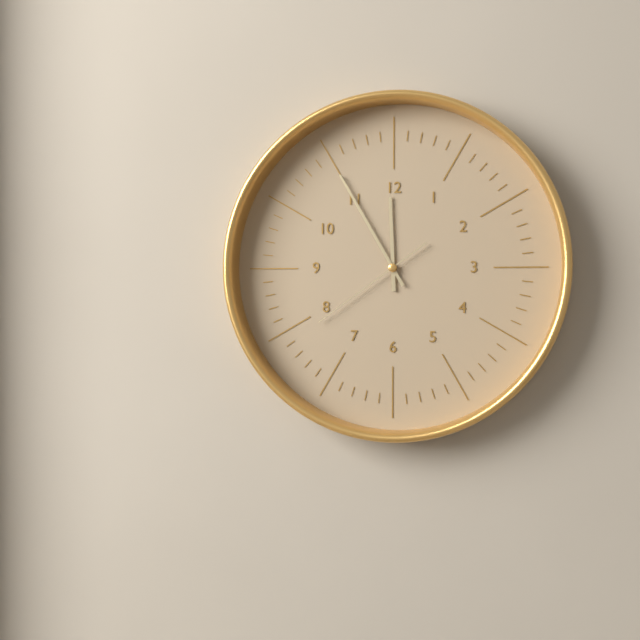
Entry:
11 h 55 min 39 s
